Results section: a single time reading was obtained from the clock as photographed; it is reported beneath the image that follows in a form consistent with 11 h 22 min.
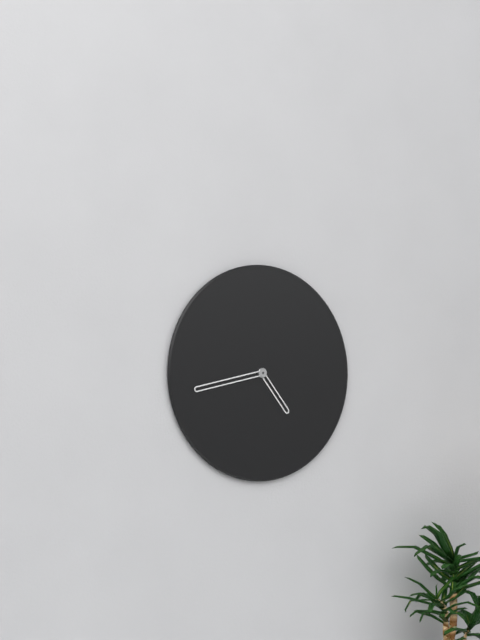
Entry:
4 h 43 min
